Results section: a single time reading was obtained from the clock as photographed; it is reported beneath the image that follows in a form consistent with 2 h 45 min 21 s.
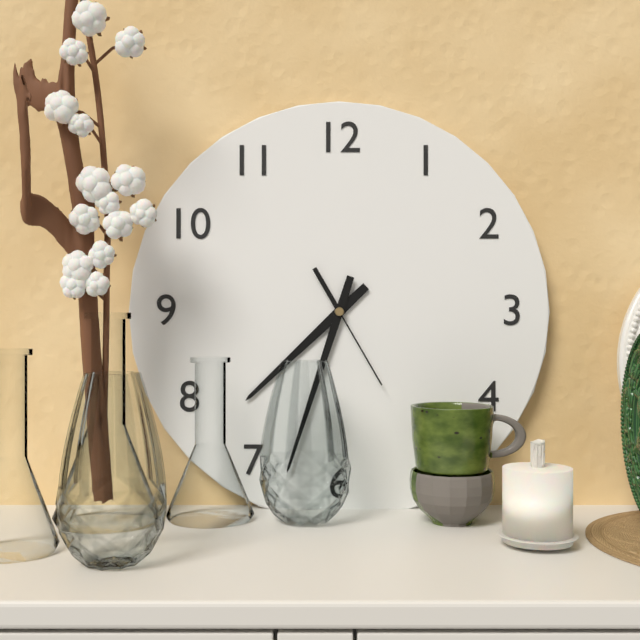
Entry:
7 h 33 min 25 s
